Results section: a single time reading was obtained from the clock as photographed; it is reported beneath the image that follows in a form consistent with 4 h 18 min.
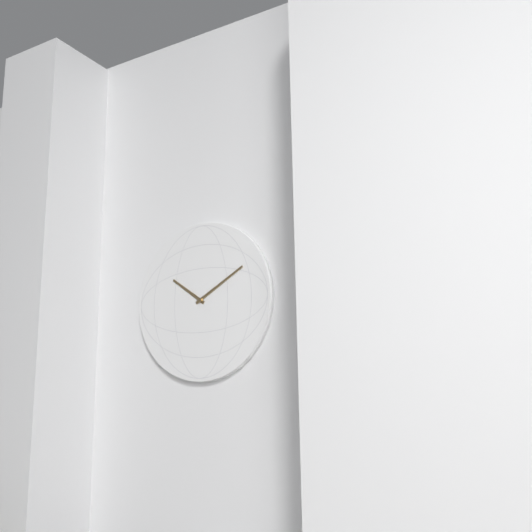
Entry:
10 h 10 min
